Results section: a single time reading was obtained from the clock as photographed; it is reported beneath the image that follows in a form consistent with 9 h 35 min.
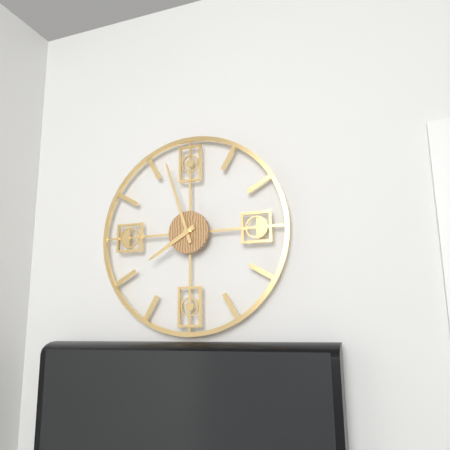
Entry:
7 h 57 min
